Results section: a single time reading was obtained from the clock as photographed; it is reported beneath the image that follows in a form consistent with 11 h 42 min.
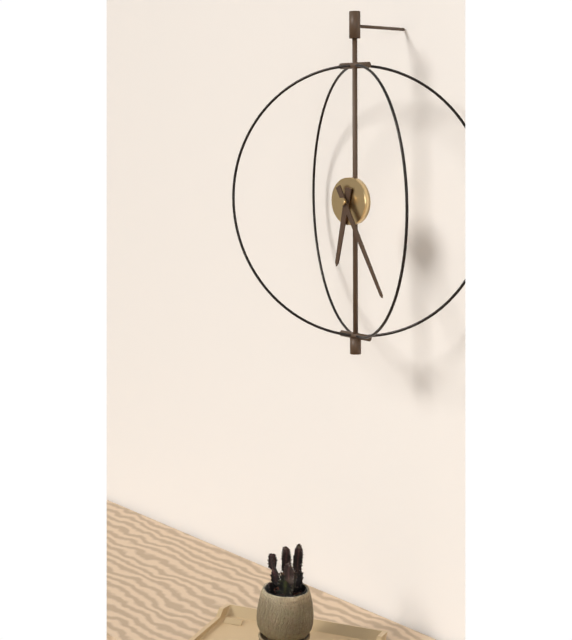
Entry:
6 h 25 min
